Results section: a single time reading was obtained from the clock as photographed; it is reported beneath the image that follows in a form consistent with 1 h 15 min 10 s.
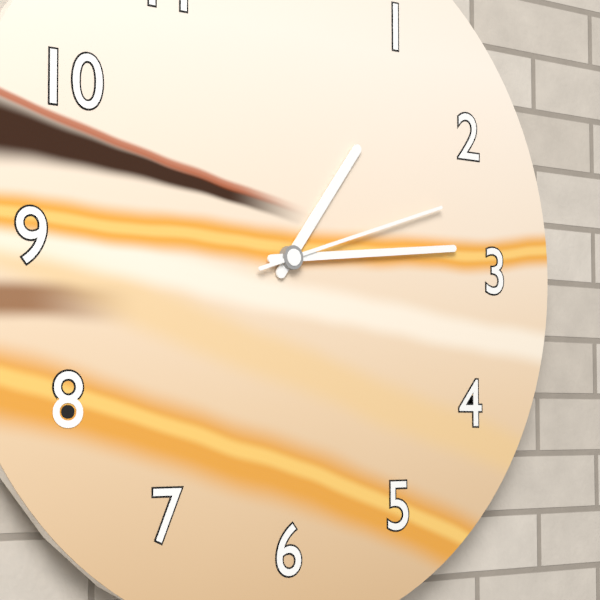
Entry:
1 h 14 min 12 s
